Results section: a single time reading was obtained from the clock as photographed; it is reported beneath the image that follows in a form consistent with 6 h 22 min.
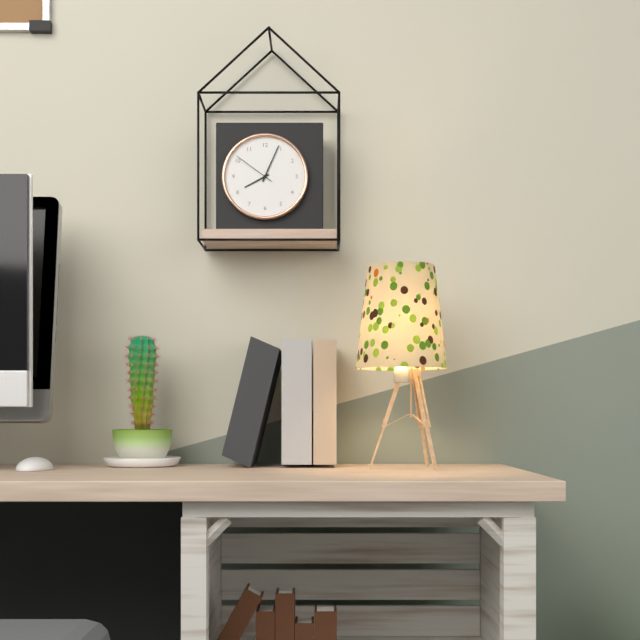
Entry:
8 h 04 min
